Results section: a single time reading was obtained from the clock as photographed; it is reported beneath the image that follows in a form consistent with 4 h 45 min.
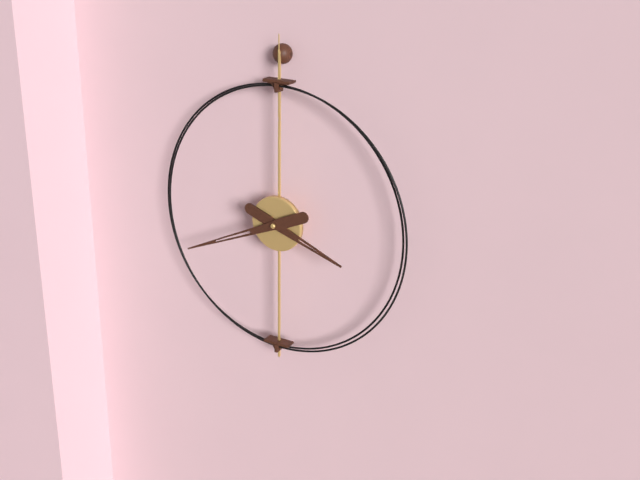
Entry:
3 h 41 min
